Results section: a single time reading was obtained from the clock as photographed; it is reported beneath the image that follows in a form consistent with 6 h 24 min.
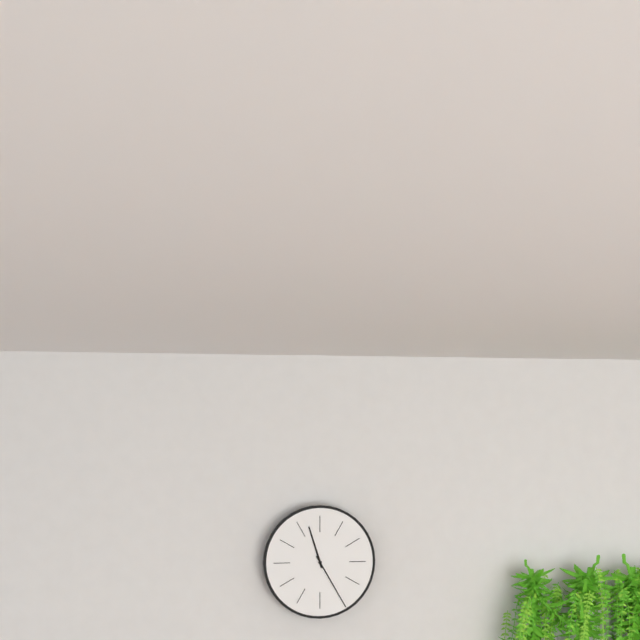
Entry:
11 h 25 min
